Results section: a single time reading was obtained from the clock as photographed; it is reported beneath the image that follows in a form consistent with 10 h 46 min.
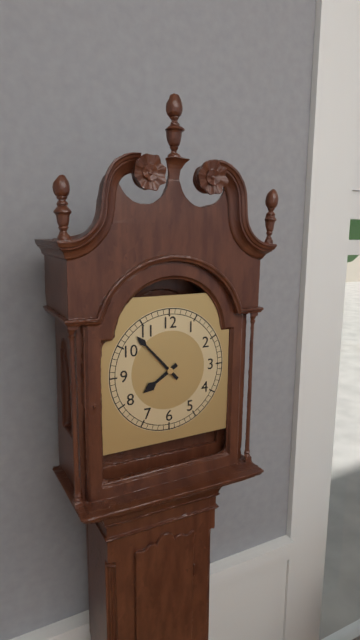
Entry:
7 h 53 min
